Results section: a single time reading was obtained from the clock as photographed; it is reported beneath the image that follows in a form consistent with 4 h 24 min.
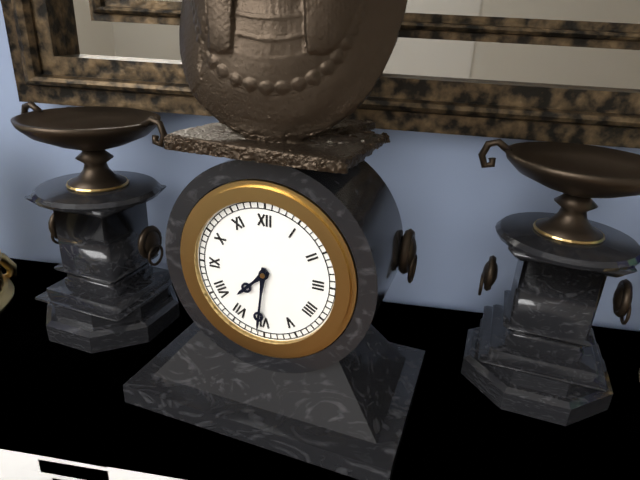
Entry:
7 h 31 min
